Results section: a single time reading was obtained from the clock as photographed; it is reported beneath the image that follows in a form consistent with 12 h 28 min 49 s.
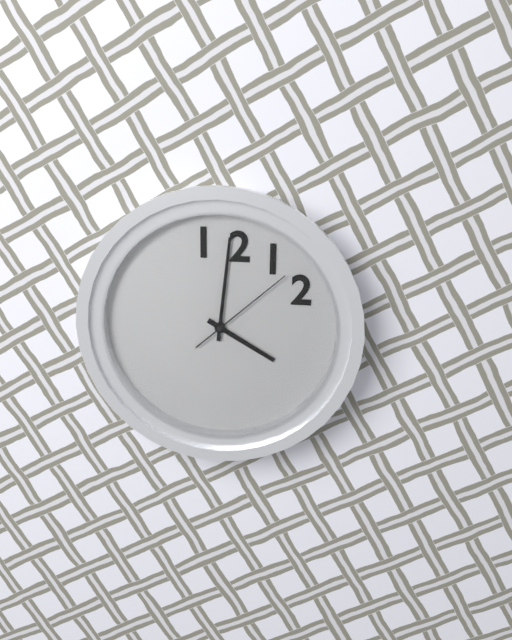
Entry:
4 h 01 min 08 s
